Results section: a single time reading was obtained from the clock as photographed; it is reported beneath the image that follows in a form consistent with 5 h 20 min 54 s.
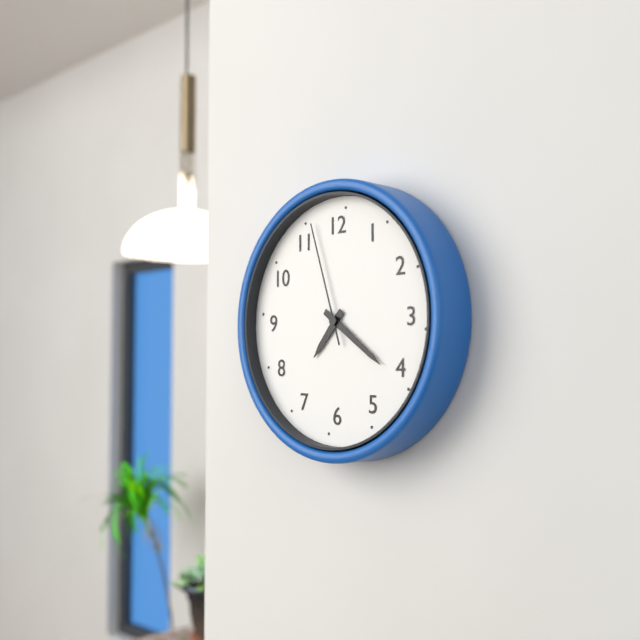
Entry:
7 h 21 min 57 s
